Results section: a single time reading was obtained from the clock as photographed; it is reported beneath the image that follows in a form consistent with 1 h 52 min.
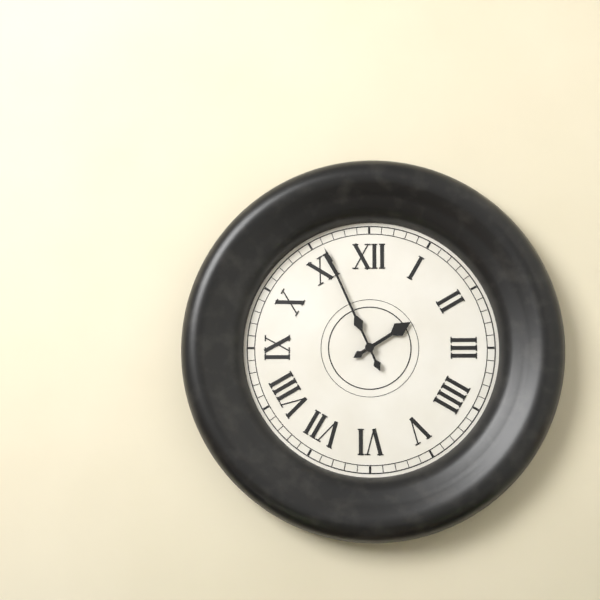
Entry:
1 h 56 min
